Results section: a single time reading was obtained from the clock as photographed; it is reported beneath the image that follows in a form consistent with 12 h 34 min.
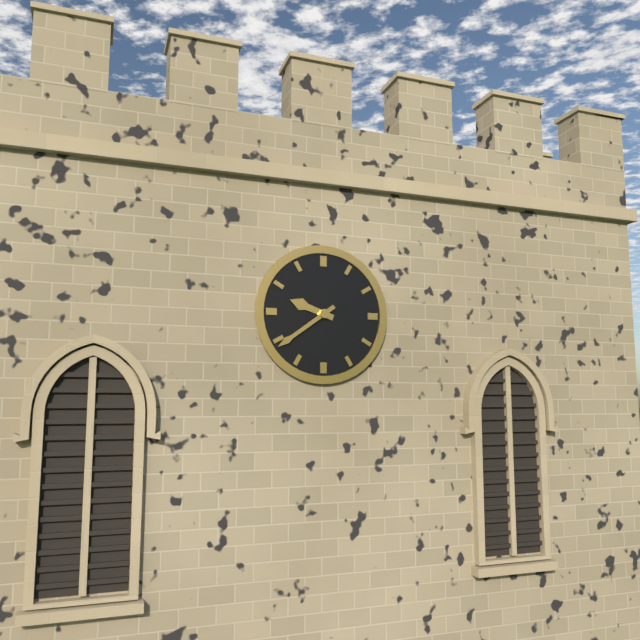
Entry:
9 h 39 min
